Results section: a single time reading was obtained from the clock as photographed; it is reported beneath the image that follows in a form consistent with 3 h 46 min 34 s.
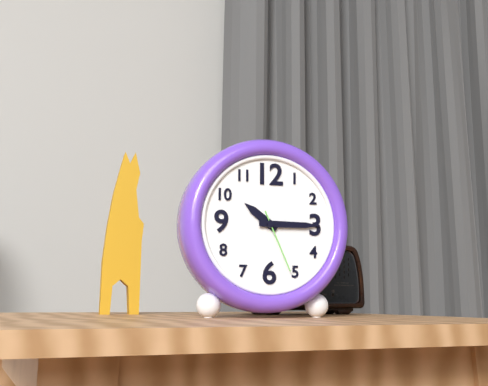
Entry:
10 h 15 min 26 s
